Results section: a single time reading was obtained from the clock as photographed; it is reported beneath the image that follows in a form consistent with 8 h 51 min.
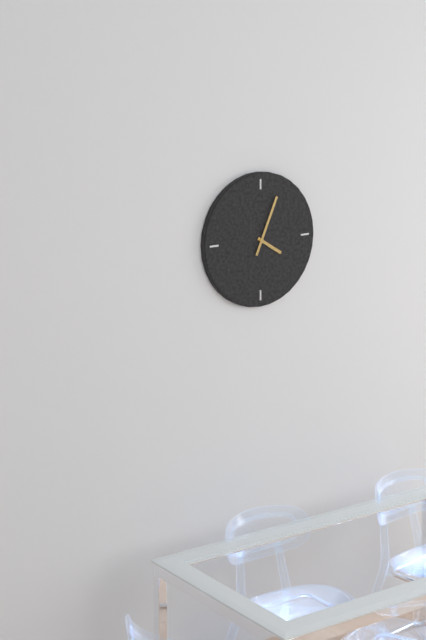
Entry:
4 h 04 min
